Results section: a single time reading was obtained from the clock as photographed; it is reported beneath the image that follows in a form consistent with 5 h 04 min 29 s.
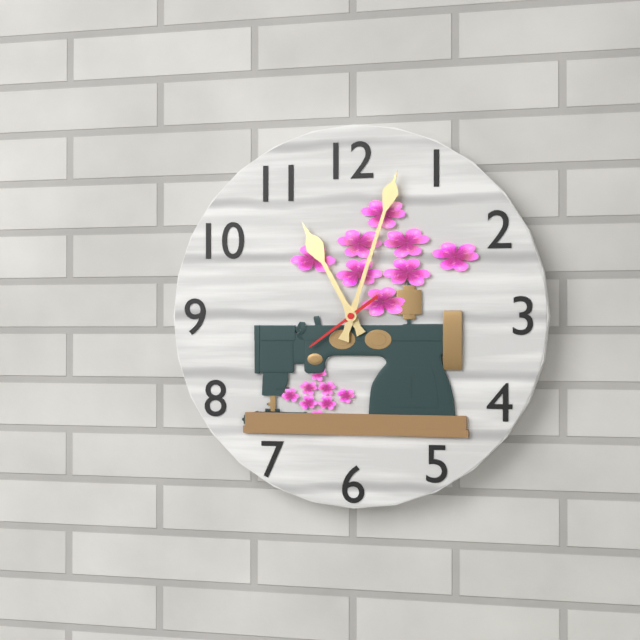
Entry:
11 h 03 min 39 s
